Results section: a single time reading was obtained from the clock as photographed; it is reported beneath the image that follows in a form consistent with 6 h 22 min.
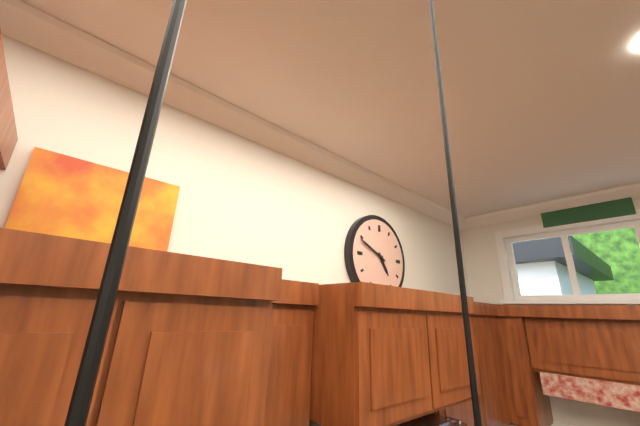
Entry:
4 h 49 min
